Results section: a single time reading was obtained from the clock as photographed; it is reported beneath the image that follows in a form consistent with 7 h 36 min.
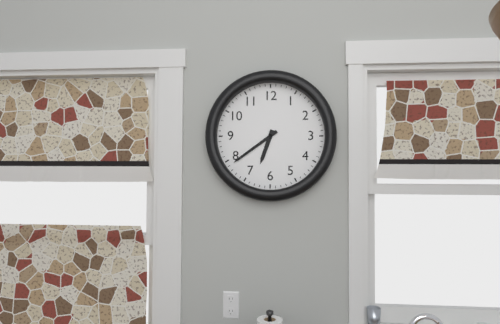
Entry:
6 h 39 min
